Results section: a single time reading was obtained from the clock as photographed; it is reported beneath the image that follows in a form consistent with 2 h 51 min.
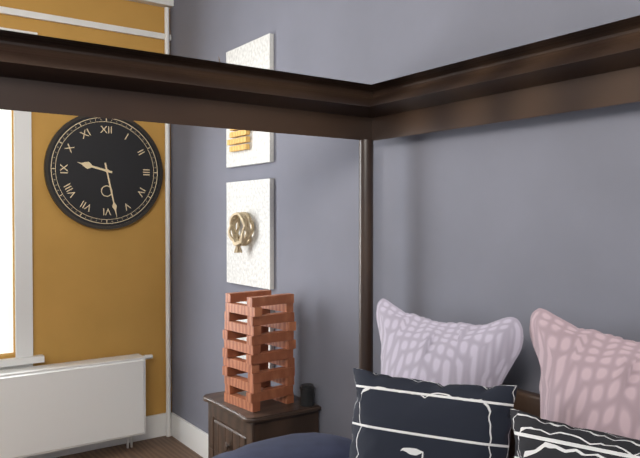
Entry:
9 h 28 min
